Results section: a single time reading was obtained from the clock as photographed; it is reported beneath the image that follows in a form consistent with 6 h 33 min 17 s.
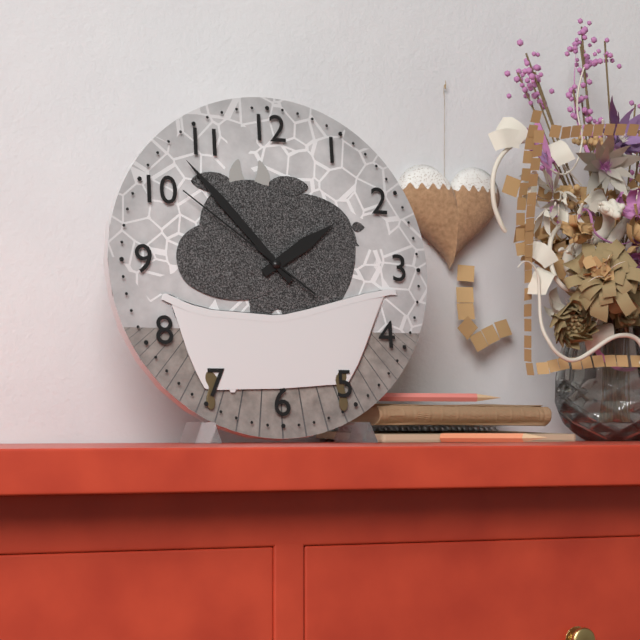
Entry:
1 h 53 min 51 s
